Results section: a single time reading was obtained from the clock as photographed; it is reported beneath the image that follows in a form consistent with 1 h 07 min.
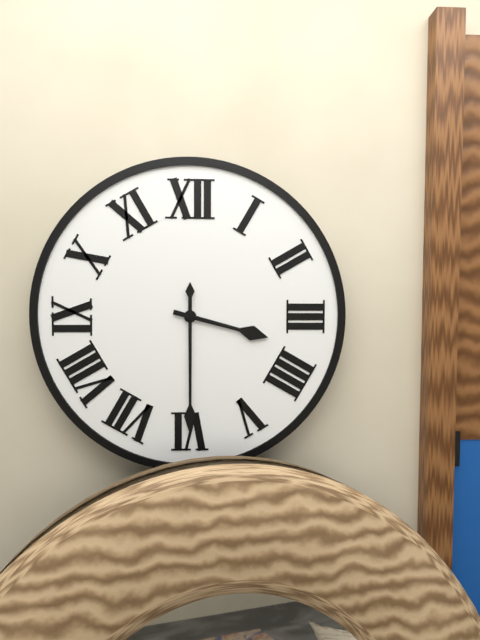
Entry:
3 h 30 min
